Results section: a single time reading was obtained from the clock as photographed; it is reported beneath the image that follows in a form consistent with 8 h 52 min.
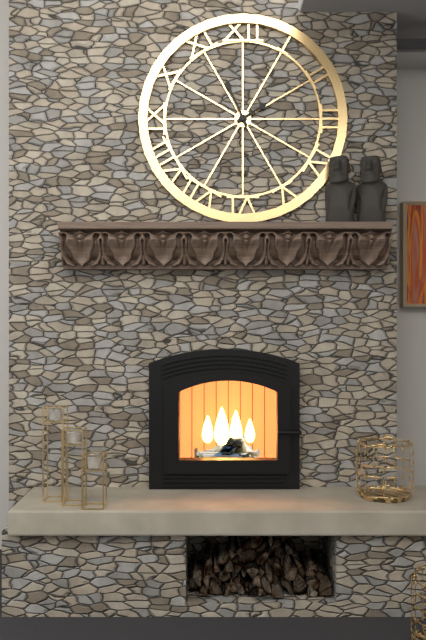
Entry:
1 h 56 min
